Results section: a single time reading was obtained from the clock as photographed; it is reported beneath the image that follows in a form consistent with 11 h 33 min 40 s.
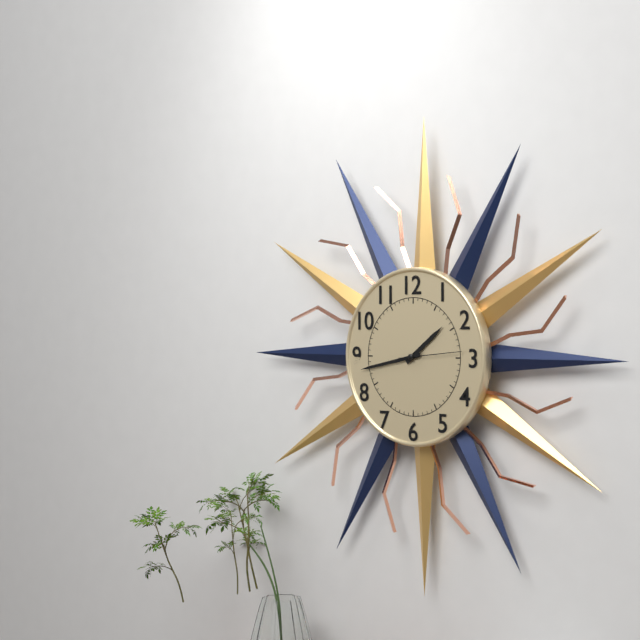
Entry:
1 h 43 min 14 s
